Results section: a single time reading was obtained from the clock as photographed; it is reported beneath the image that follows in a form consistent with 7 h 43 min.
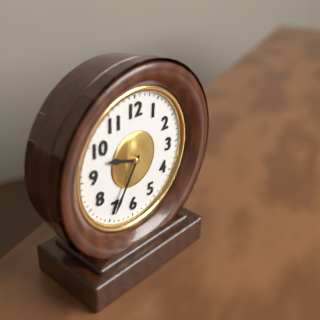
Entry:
9 h 35 min
